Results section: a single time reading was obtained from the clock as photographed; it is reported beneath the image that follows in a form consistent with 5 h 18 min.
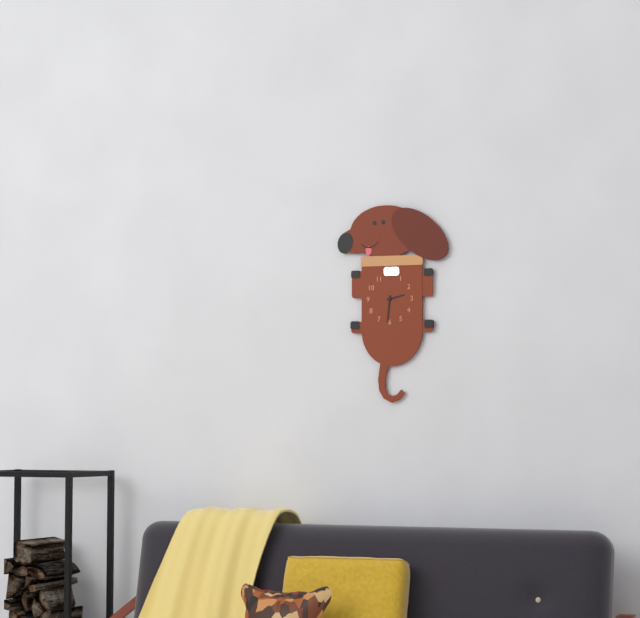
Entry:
2 h 31 min
